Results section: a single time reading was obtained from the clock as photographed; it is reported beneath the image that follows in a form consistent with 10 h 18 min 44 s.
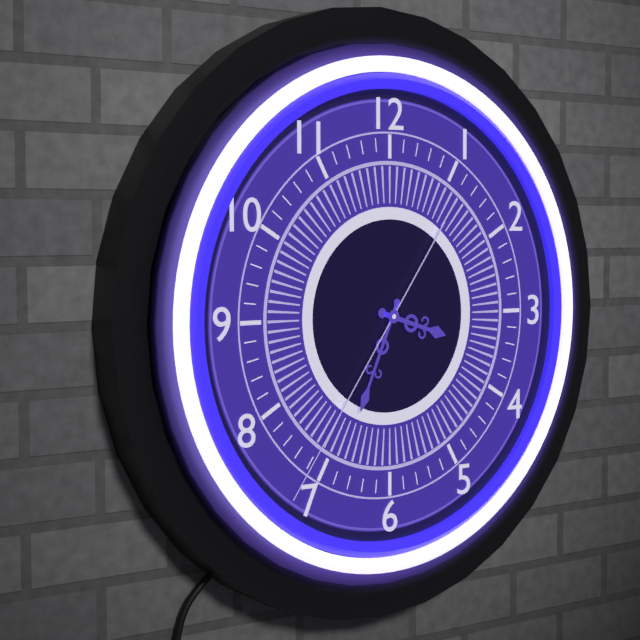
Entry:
3 h 34 min 36 s
